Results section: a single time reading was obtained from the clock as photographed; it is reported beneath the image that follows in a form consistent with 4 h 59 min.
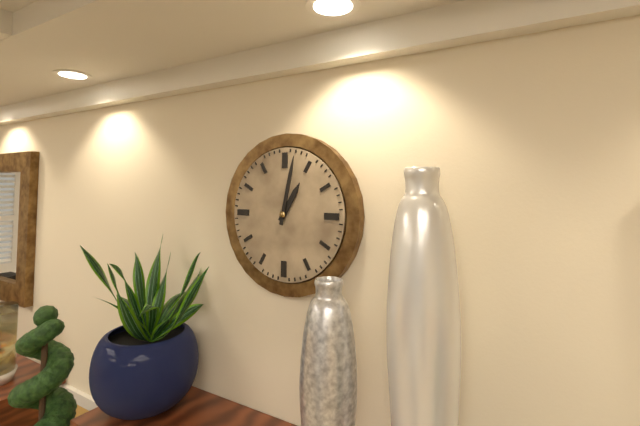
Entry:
1 h 02 min
